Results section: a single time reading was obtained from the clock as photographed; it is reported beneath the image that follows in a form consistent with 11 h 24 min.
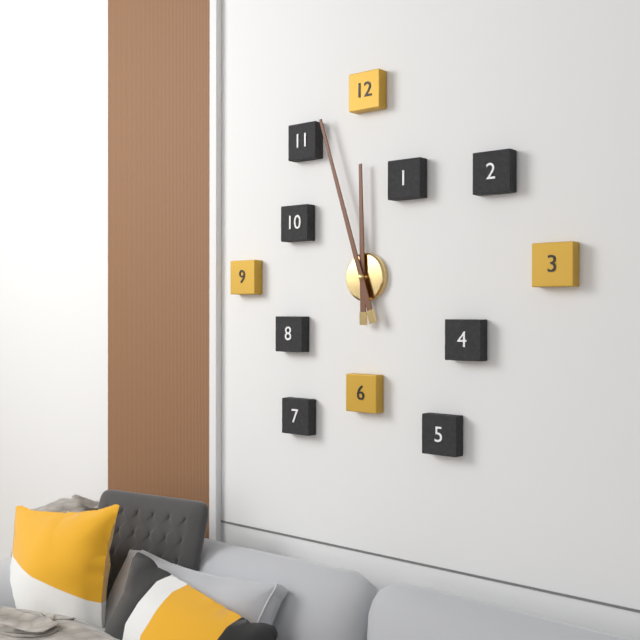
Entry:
11 h 57 min
